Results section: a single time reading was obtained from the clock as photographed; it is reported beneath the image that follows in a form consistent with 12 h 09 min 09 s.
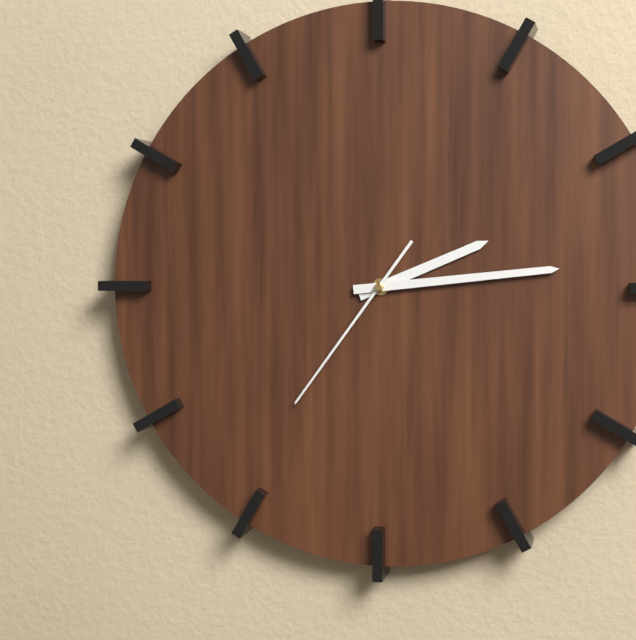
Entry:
2 h 14 min 36 s
